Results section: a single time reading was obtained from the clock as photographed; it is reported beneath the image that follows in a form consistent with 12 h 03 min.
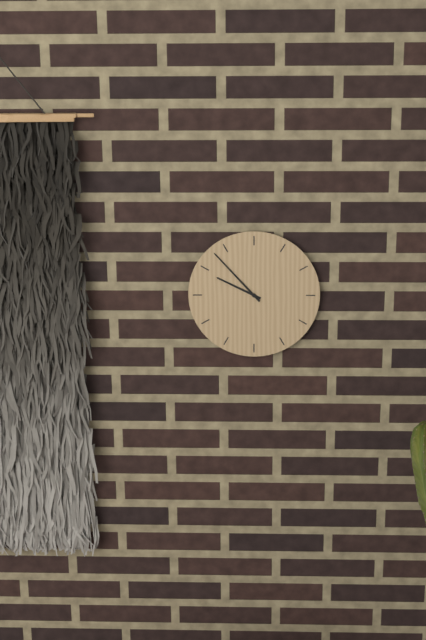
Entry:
9 h 53 min
